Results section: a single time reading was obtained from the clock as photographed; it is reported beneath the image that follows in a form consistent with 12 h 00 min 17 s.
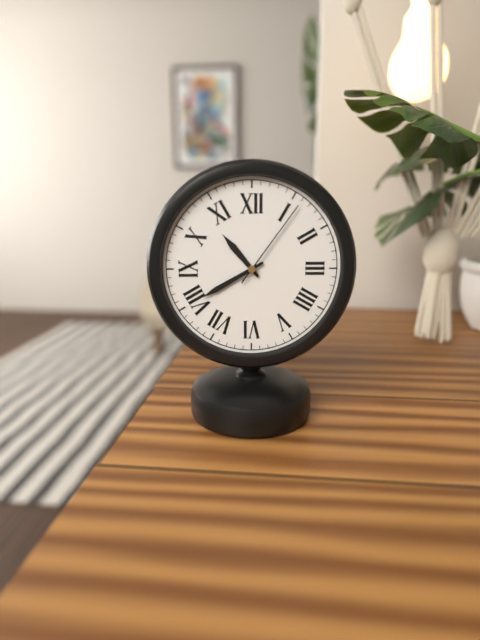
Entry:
10 h 40 min 06 s
